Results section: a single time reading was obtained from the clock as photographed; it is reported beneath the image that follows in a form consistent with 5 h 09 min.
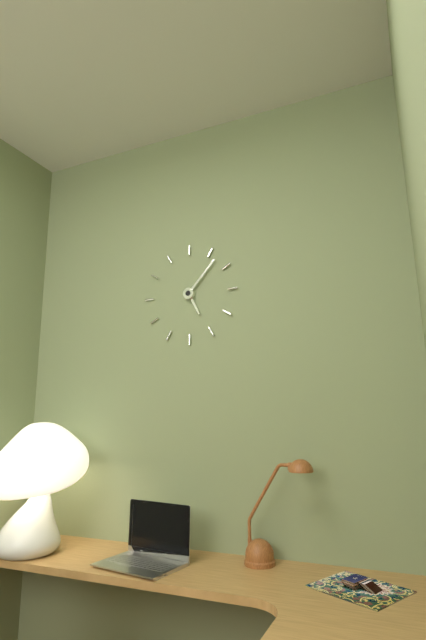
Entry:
5 h 07 min
